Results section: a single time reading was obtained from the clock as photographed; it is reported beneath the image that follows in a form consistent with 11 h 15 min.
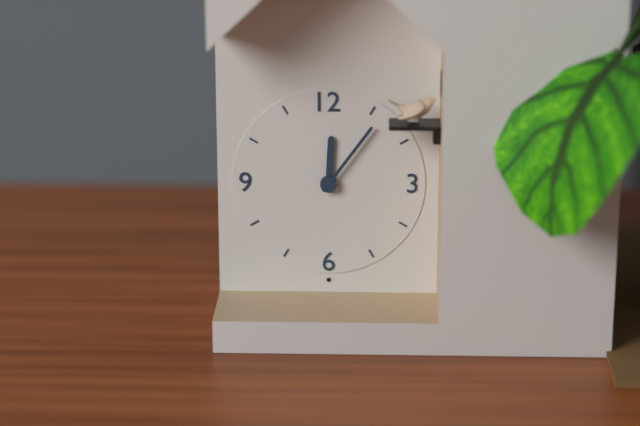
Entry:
12 h 06 min
